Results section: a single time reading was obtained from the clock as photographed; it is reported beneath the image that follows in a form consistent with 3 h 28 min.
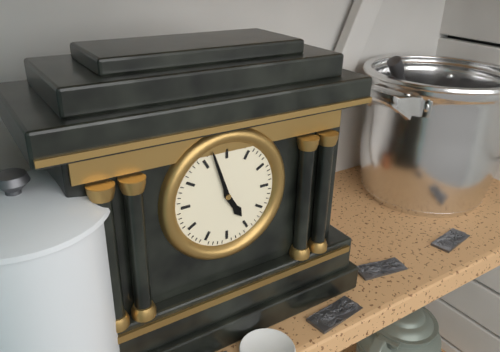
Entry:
4 h 57 min
